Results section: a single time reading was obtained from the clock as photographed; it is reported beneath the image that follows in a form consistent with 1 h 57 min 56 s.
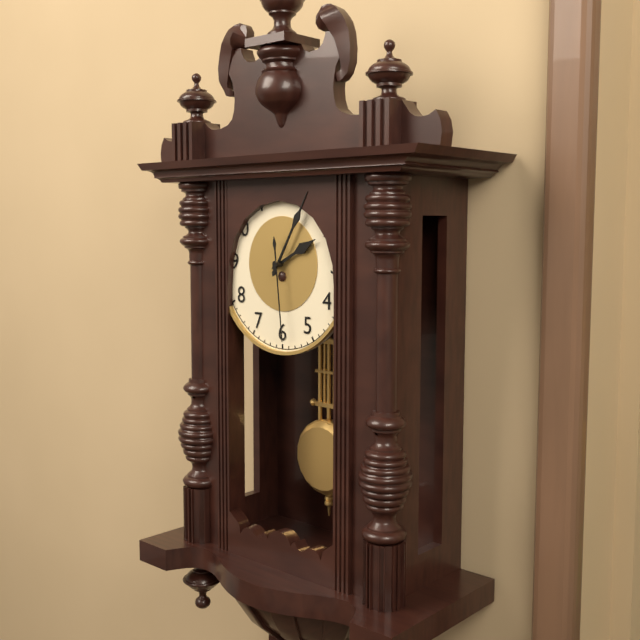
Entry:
2 h 05 min 29 s
